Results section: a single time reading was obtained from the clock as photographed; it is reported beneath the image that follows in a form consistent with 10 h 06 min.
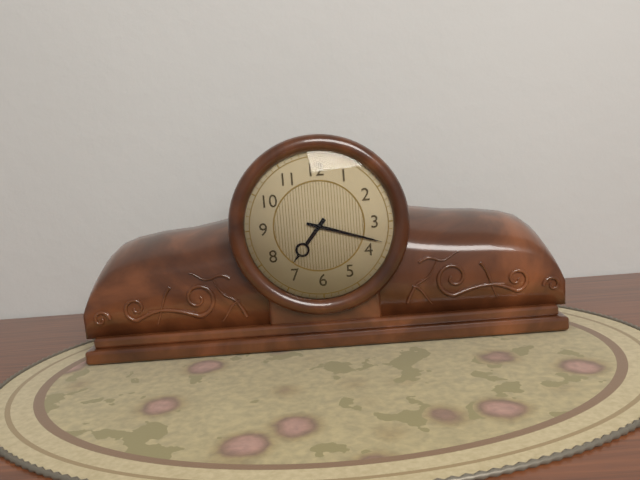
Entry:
7 h 18 min
